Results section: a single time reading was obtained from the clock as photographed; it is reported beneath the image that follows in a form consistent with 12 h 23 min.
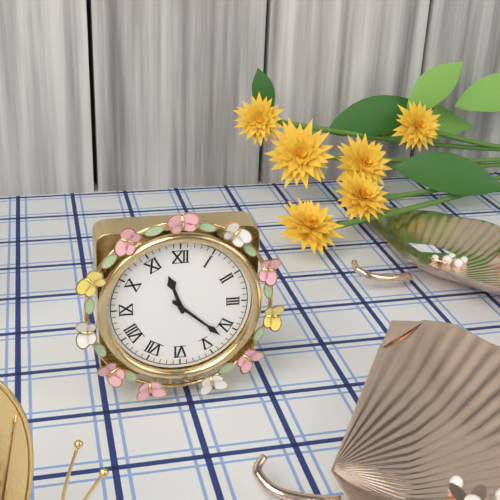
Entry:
11 h 22 min
